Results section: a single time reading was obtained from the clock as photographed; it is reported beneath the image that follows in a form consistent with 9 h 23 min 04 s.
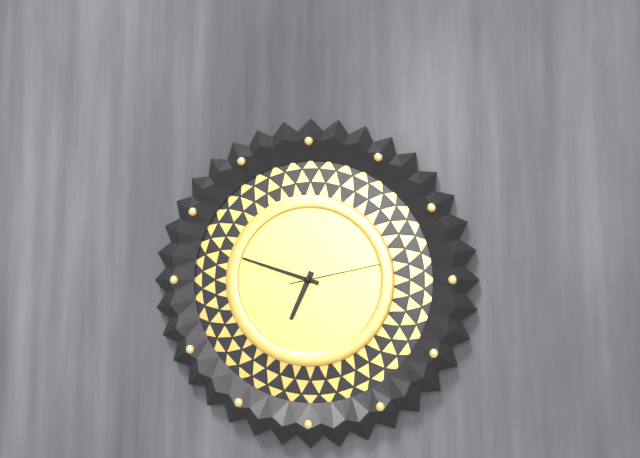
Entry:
6 h 48 min 13 s
